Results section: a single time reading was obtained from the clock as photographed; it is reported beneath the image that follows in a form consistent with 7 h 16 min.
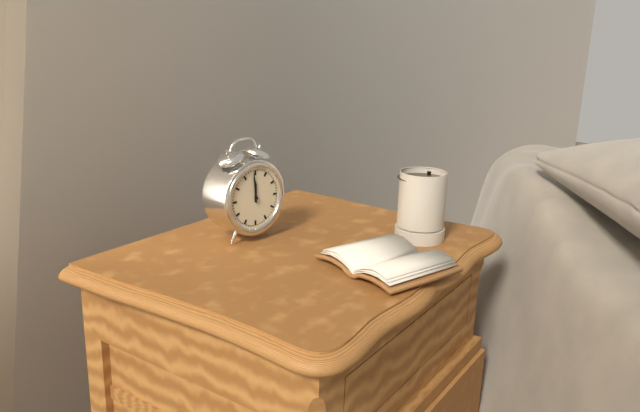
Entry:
11 h 59 min
